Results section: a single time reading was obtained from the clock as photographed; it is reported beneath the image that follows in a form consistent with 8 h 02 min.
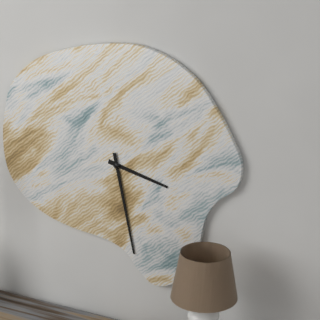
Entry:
3 h 28 min
